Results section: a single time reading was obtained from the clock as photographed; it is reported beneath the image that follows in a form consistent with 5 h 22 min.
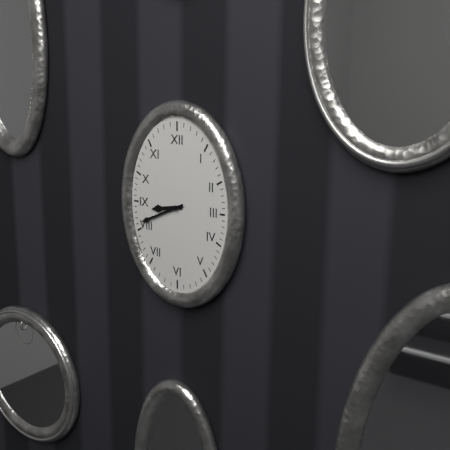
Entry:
8 h 41 min
